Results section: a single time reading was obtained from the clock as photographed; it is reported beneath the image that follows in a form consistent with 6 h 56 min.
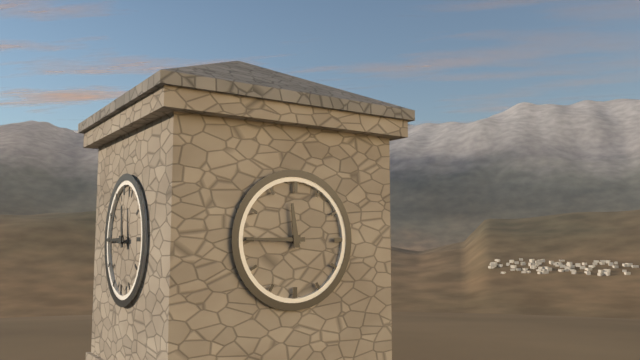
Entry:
11 h 45 min
